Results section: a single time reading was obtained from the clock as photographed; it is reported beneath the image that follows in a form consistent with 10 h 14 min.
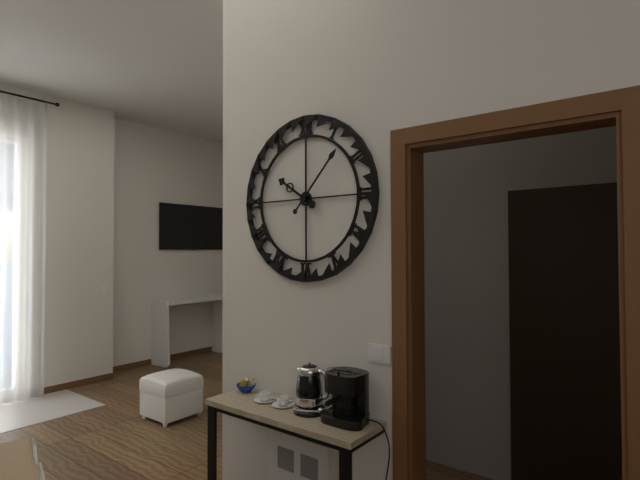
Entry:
10 h 07 min
